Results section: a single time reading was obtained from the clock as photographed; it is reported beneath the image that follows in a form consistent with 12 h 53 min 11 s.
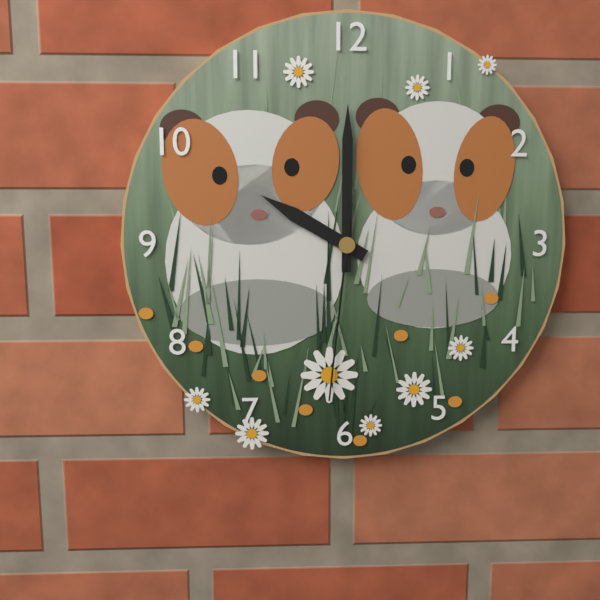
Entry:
10 h 00 min 31 s
